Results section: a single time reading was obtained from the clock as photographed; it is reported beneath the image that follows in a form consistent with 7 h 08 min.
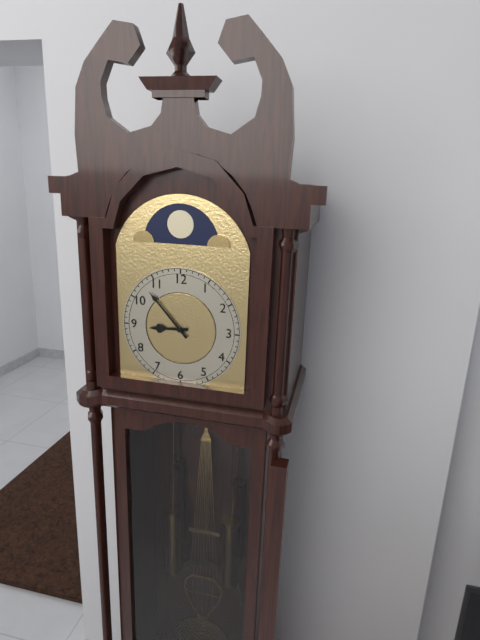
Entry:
8 h 53 min
